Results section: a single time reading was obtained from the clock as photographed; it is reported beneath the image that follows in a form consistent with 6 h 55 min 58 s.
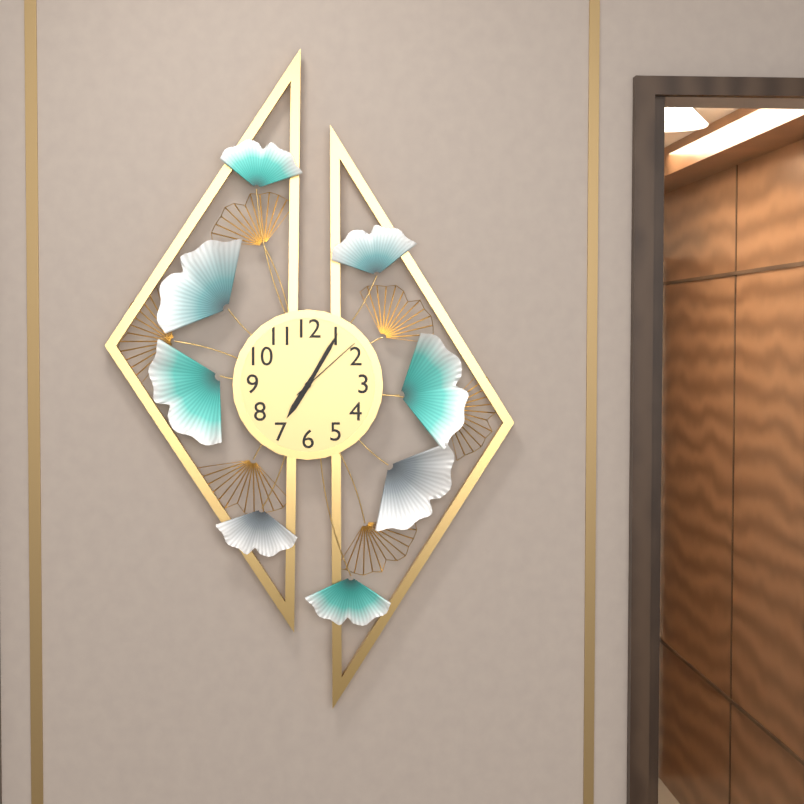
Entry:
7 h 05 min 08 s
